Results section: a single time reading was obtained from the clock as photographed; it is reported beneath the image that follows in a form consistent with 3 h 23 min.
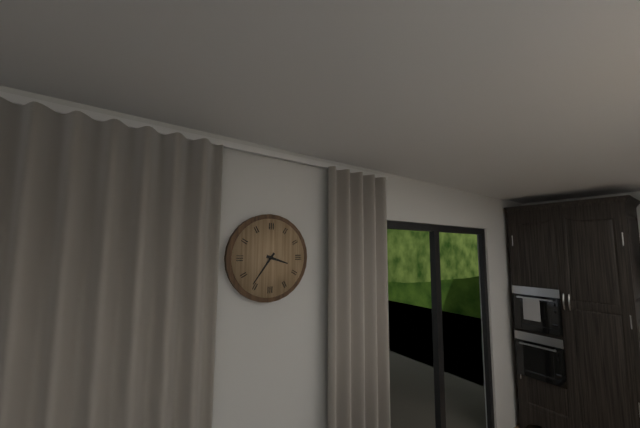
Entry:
3 h 36 min
